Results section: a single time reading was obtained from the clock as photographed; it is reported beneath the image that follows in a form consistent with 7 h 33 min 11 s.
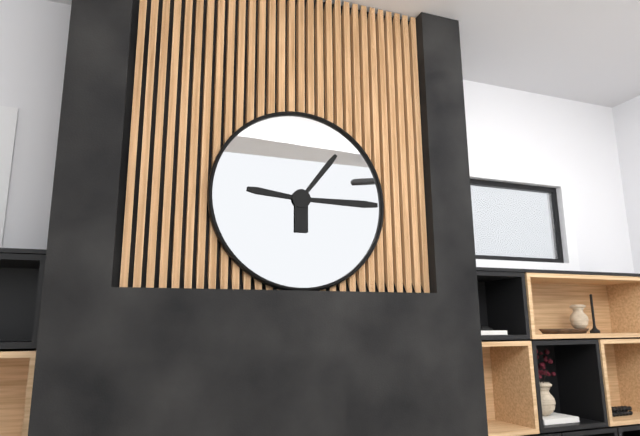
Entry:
1 h 15 min 46 s
